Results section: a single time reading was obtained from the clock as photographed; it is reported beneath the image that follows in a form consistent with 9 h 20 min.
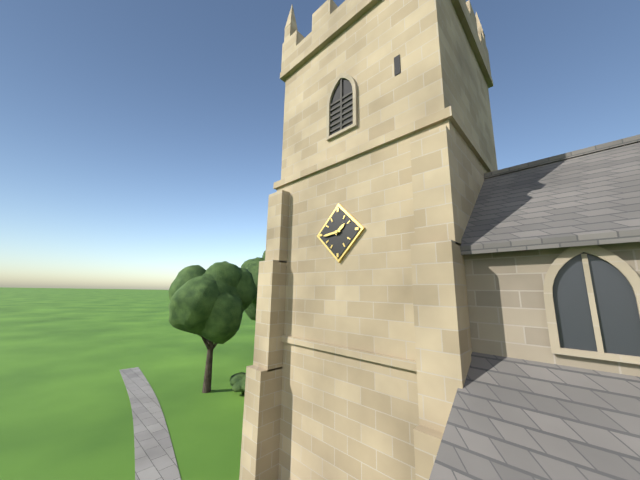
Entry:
1 h 44 min
